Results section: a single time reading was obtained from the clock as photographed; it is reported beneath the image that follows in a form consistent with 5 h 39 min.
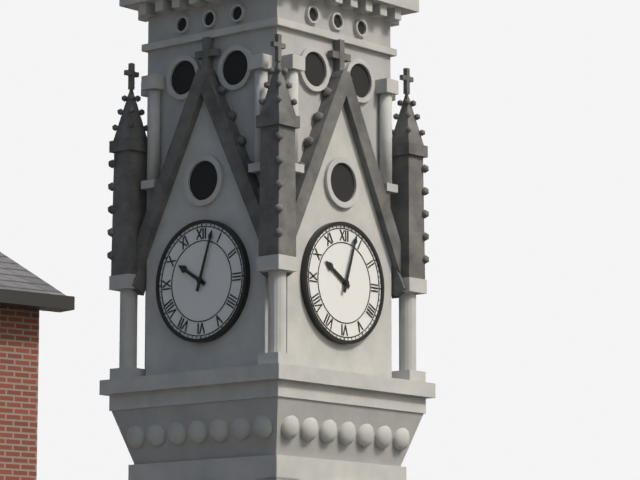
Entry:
10 h 03 min
